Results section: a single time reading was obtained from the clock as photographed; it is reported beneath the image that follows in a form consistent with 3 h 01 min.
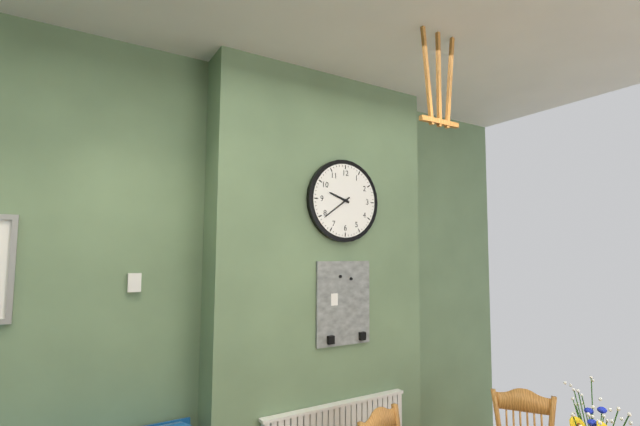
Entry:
9 h 39 min
